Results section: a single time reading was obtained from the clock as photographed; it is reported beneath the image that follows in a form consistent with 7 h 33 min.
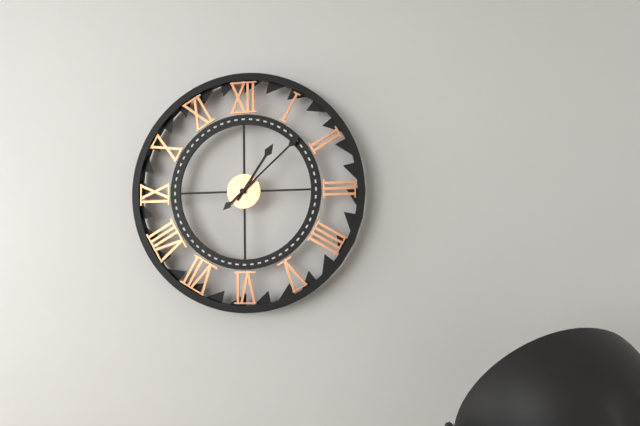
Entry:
1 h 08 min
